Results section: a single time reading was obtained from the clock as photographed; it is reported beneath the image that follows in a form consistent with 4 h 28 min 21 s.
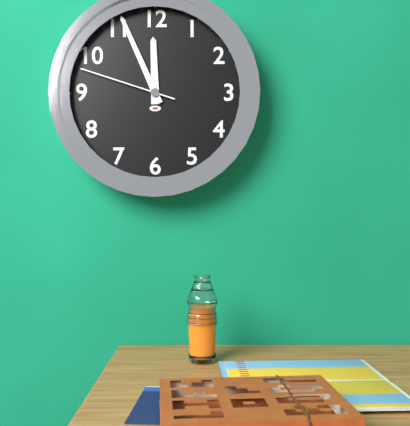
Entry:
11 h 56 min 48 s
